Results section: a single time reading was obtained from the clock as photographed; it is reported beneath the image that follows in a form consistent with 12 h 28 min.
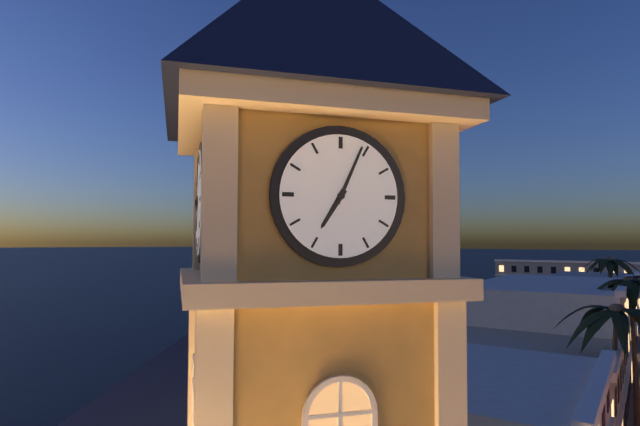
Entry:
7 h 04 min
